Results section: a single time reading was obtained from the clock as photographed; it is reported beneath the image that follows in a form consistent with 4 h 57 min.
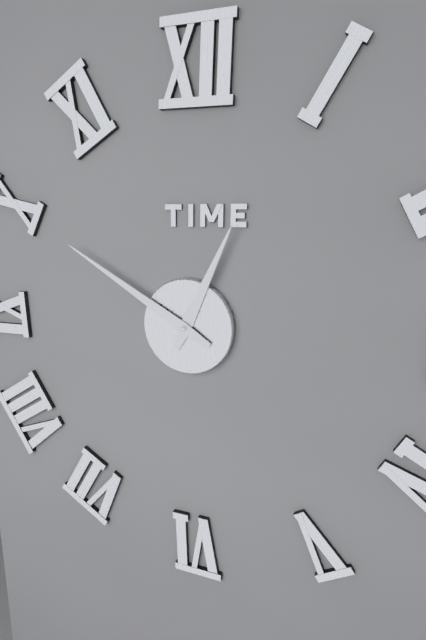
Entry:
12 h 50 min
